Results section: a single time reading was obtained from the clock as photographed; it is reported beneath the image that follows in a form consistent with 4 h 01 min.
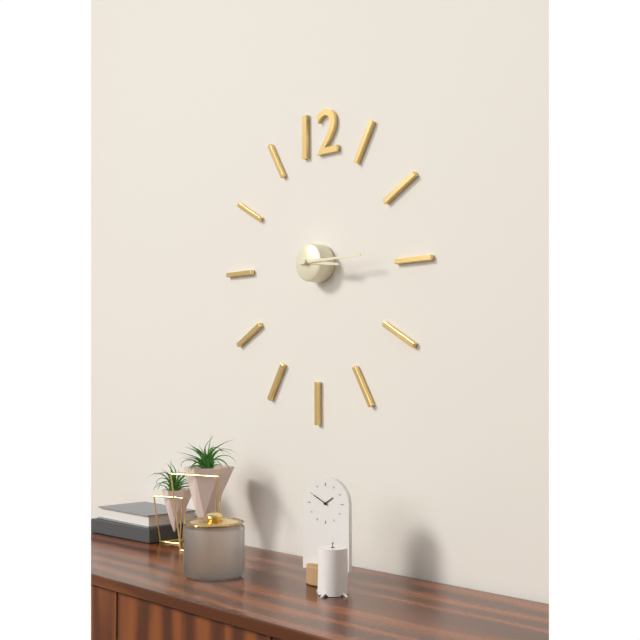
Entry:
3 h 15 min
